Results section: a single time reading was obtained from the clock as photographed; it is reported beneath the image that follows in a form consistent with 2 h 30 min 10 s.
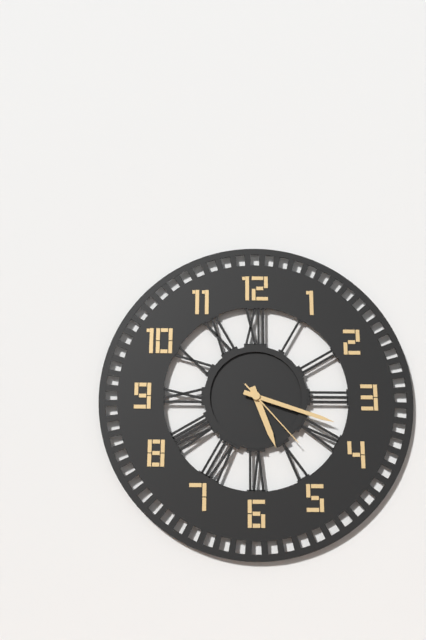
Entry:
5 h 18 min 23 s
